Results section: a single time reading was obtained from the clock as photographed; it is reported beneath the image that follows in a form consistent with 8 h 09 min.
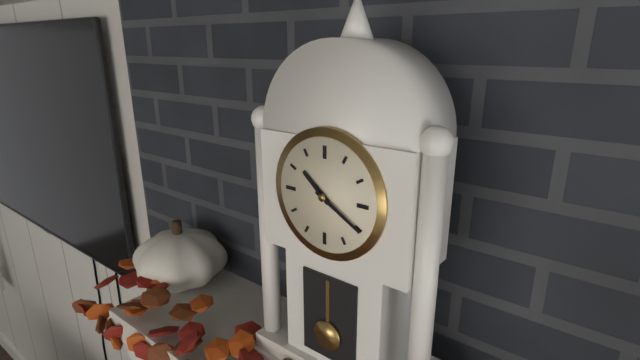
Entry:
10 h 20 min
